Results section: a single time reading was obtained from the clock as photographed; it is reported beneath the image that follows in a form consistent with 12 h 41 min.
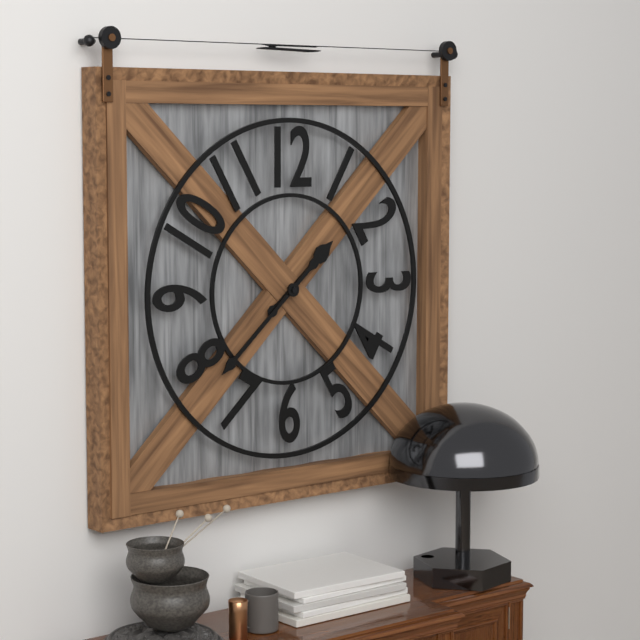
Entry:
1 h 38 min
